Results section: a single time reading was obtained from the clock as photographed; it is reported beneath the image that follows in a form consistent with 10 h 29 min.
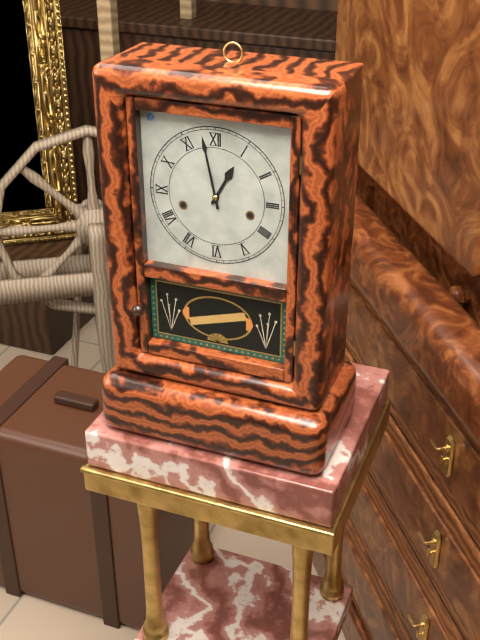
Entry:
12 h 58 min
